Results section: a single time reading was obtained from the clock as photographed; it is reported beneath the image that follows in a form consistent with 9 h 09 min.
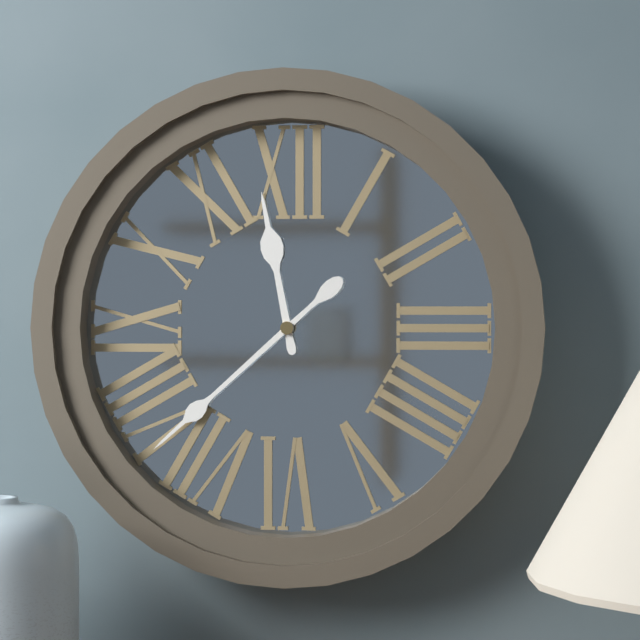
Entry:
11 h 38 min
